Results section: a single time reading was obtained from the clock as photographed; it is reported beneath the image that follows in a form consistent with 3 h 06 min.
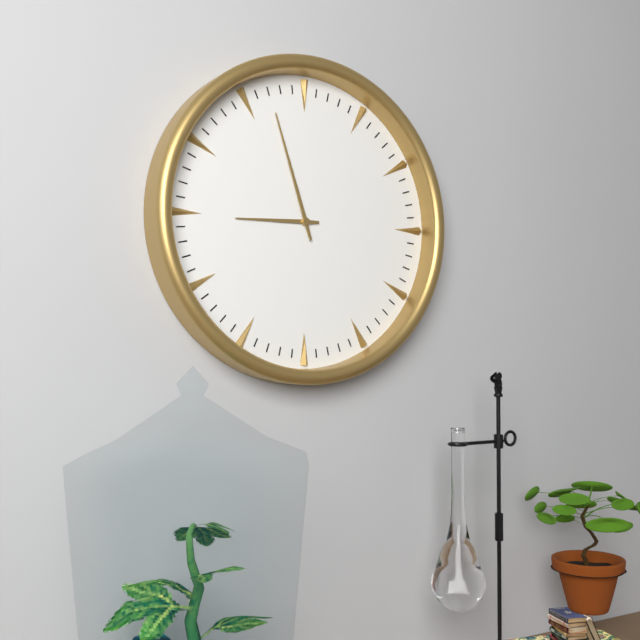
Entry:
8 h 57 min
